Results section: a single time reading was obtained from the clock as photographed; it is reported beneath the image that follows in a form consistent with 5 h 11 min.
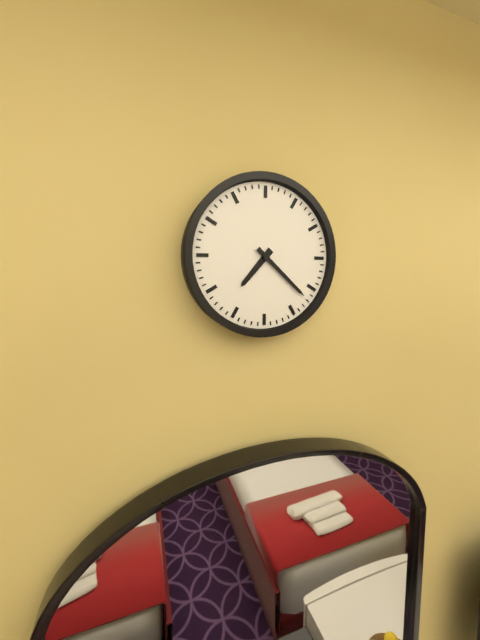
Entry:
7 h 22 min
